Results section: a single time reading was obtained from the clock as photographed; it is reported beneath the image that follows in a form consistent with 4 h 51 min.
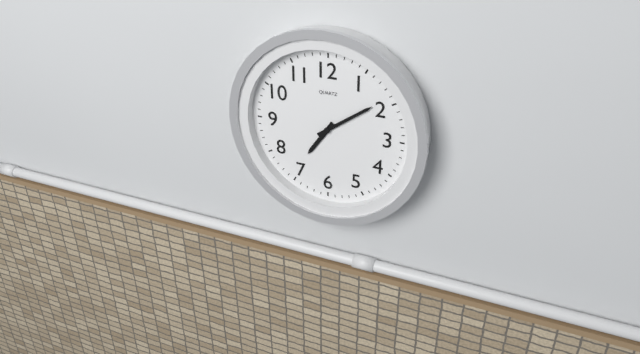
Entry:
7 h 09 min
